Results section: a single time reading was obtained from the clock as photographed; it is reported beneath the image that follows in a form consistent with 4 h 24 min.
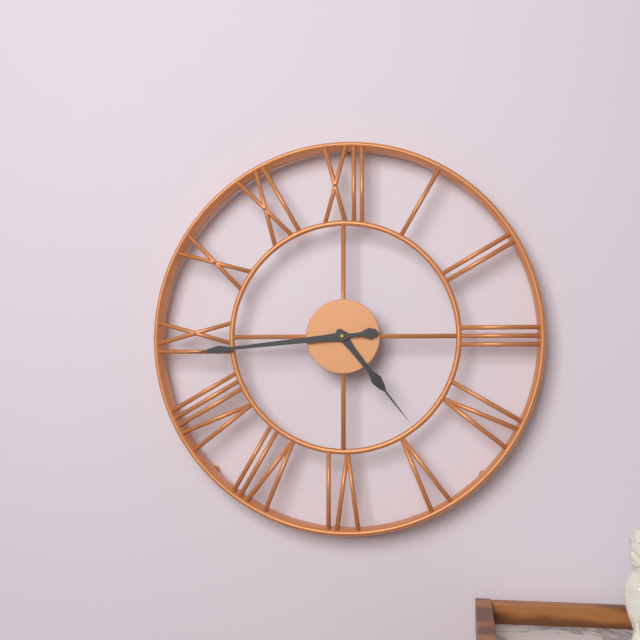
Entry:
4 h 44 min
